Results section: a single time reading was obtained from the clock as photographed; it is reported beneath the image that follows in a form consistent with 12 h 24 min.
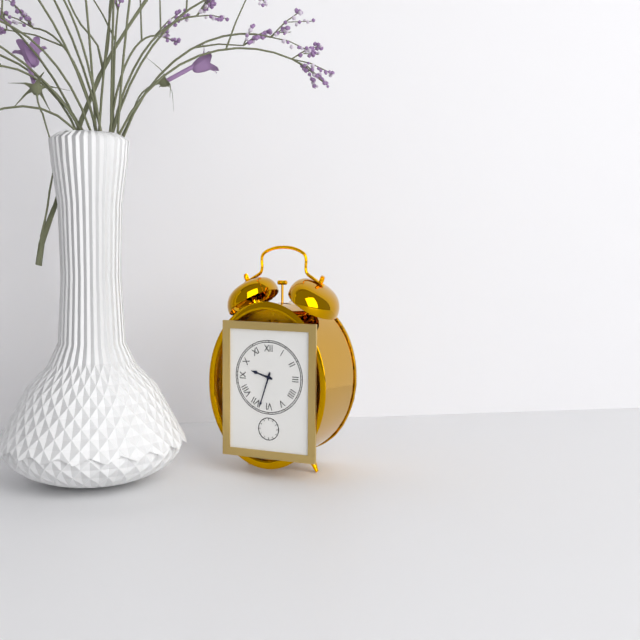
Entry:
9 h 33 min
